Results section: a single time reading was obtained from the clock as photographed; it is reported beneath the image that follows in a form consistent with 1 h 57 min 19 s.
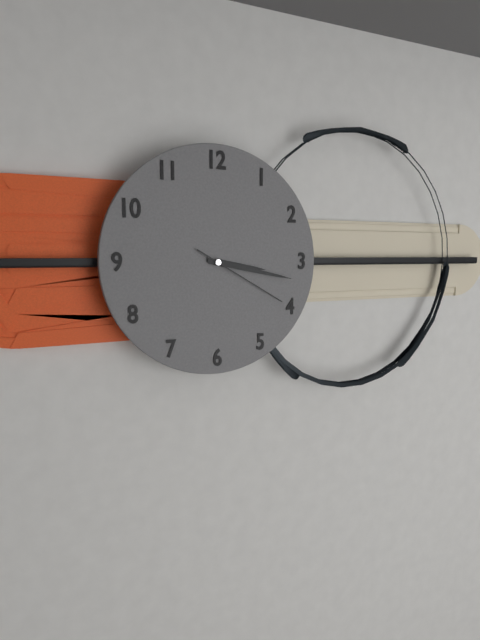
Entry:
3 h 17 min 20 s
